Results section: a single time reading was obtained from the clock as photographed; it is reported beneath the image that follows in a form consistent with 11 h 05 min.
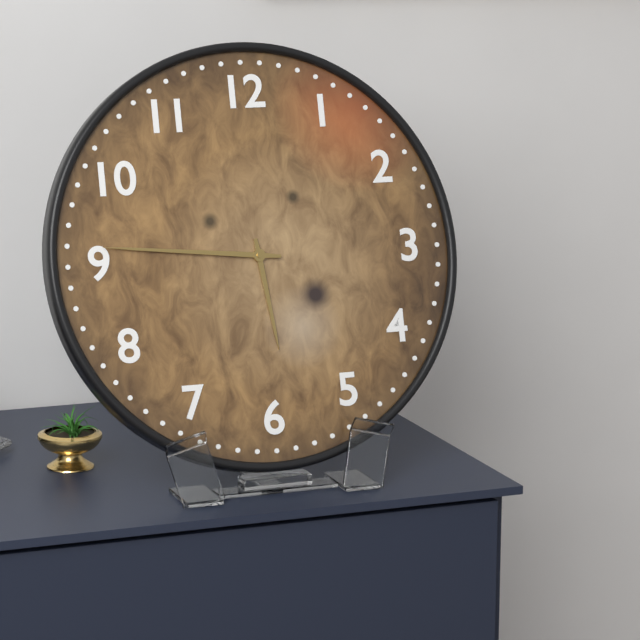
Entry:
5 h 46 min
